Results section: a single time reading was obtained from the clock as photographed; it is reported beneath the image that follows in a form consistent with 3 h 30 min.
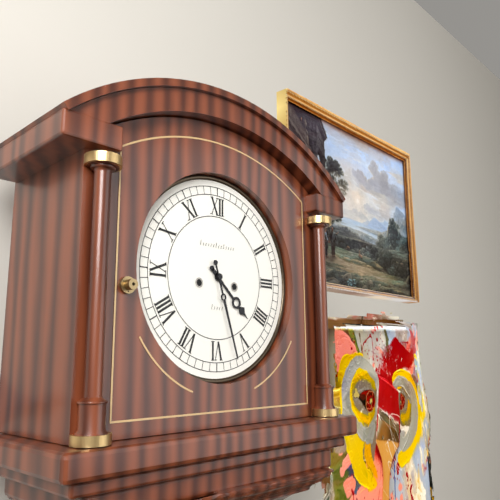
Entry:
4 h 27 min
